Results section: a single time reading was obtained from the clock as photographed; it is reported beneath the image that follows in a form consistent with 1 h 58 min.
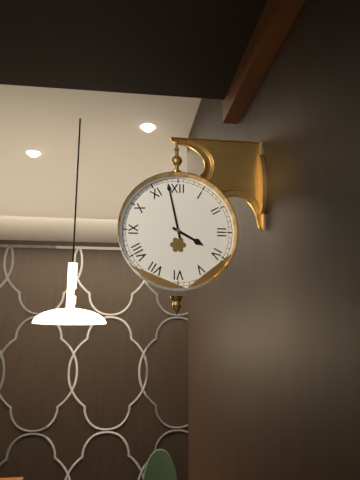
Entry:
3 h 58 min
